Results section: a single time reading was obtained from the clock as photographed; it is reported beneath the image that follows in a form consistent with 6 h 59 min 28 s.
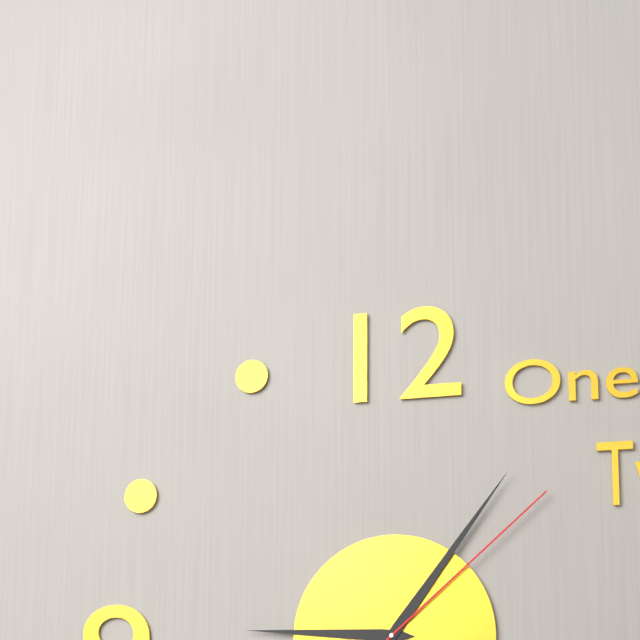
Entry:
9 h 06 min 08 s
